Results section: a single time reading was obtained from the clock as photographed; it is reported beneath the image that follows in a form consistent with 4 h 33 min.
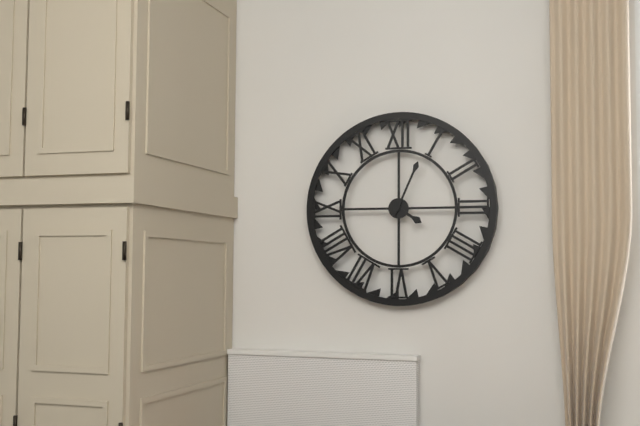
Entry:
4 h 04 min
